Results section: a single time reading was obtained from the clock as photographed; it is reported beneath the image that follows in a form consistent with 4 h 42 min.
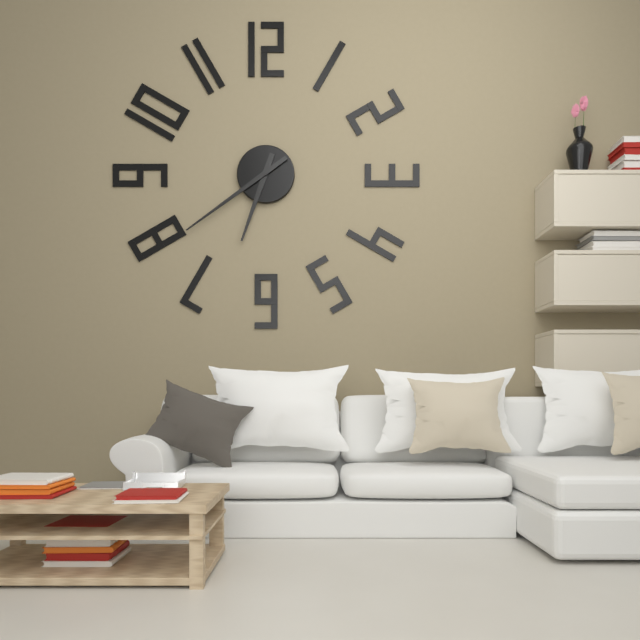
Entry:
6 h 39 min
